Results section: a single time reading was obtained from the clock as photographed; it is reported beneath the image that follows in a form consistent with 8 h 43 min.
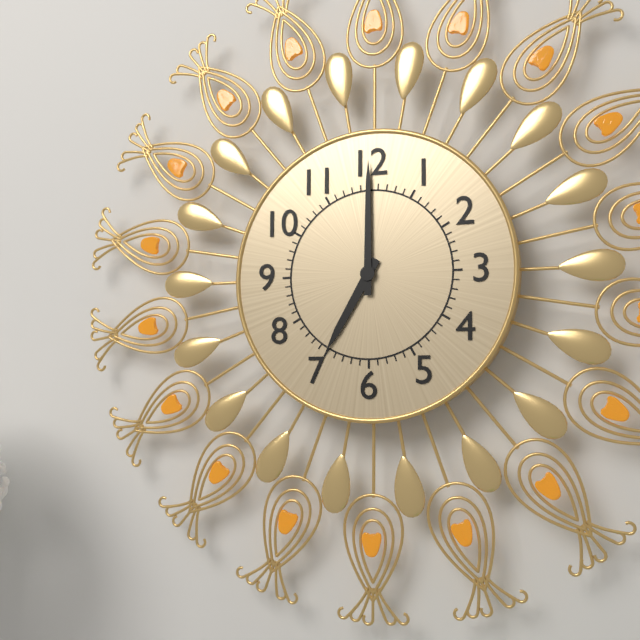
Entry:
7 h 00 min
